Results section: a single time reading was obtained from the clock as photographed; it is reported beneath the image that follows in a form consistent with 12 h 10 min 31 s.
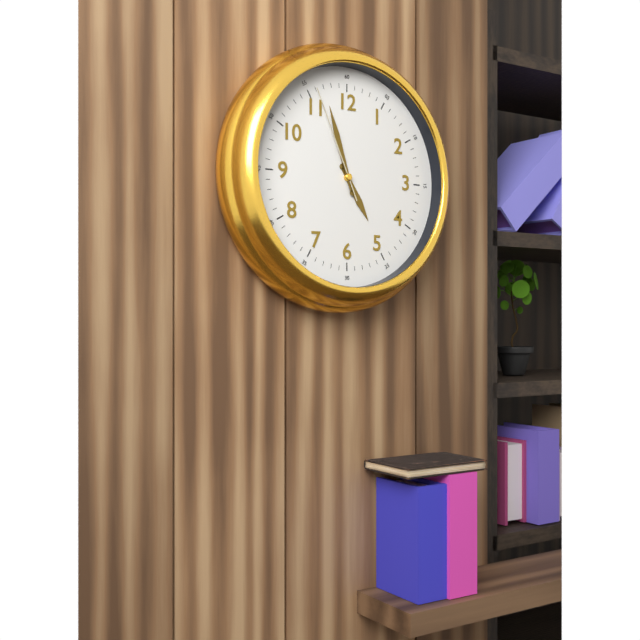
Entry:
4 h 57 min 56 s
